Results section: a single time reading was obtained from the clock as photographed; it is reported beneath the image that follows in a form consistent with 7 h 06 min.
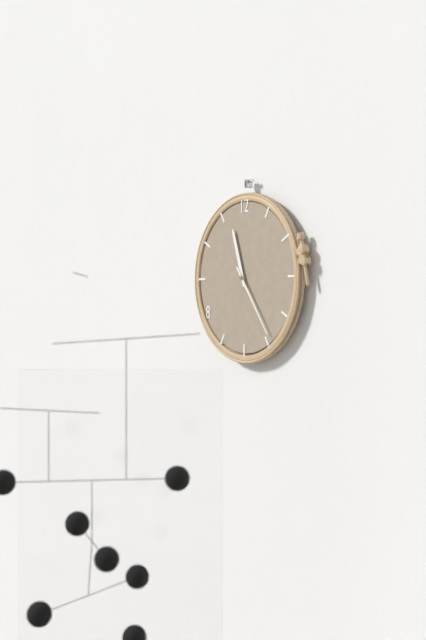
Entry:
11 h 24 min
